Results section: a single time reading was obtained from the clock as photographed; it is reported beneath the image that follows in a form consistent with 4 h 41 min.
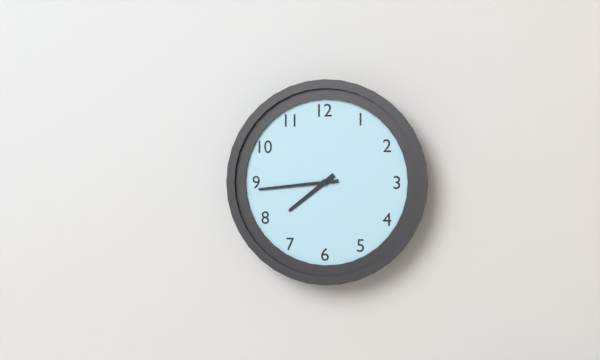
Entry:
7 h 44 min
